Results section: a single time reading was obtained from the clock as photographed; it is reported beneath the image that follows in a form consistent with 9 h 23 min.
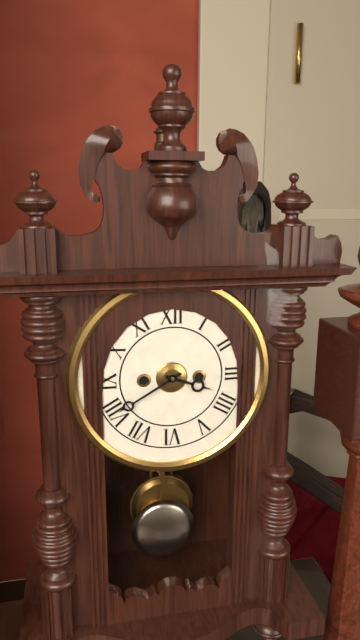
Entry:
3 h 40 min
